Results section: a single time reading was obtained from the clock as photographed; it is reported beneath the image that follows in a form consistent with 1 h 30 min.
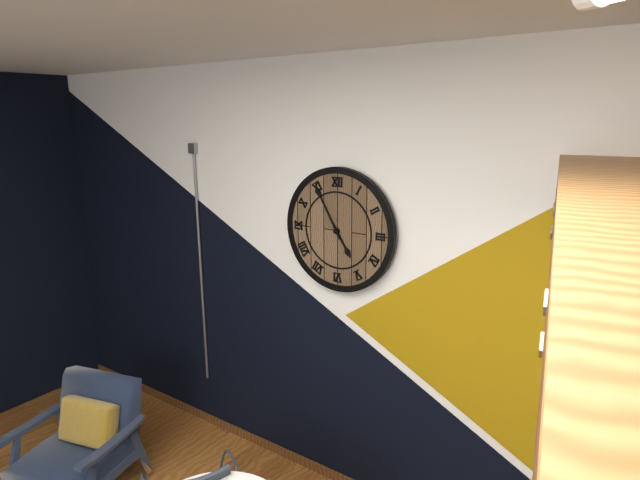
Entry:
4 h 55 min
